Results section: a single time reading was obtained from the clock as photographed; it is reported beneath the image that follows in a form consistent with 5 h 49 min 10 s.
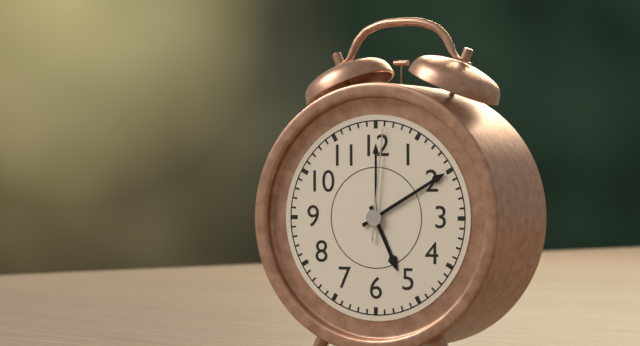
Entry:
5 h 10 min 01 s
